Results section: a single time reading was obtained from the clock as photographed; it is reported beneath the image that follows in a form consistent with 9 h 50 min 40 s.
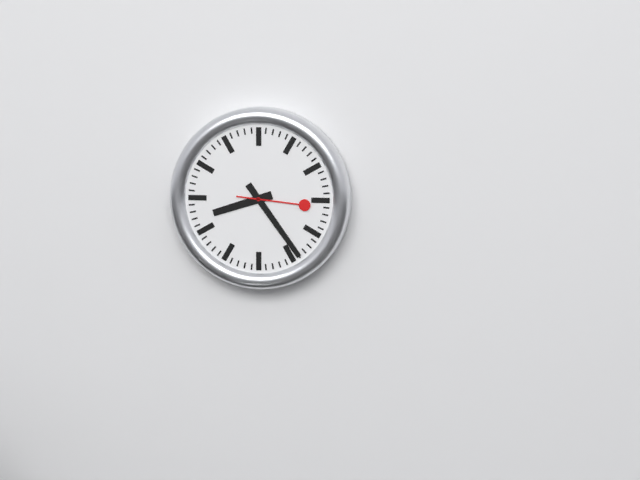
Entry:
8 h 24 min 16 s
